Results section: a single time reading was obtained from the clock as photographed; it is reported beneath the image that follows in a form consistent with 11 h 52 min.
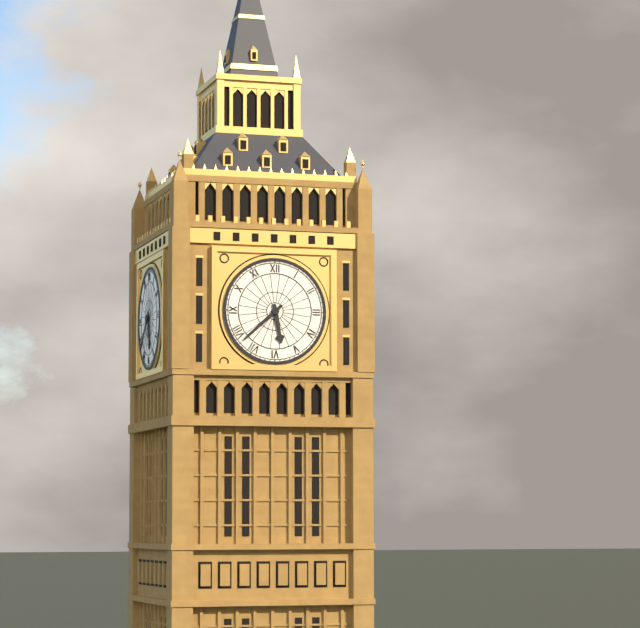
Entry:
5 h 38 min
